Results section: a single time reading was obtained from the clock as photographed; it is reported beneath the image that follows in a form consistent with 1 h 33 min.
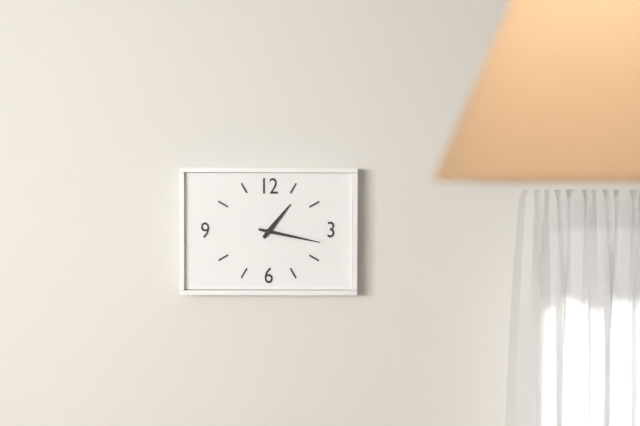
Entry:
1 h 17 min
